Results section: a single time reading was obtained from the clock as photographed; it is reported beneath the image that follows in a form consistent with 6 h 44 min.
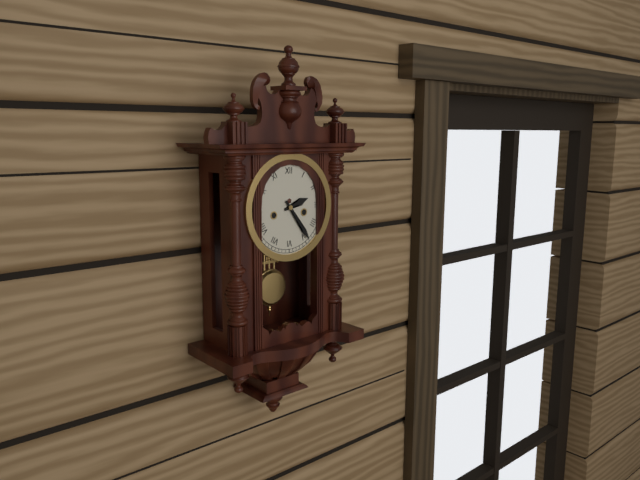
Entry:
2 h 24 min
